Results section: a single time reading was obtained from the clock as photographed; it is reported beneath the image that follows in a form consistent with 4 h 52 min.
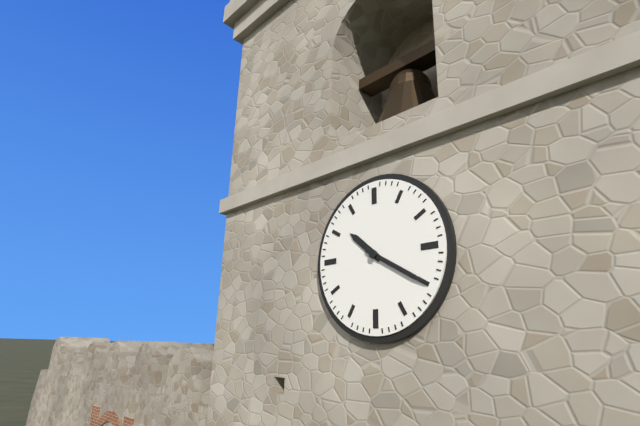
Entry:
10 h 20 min
